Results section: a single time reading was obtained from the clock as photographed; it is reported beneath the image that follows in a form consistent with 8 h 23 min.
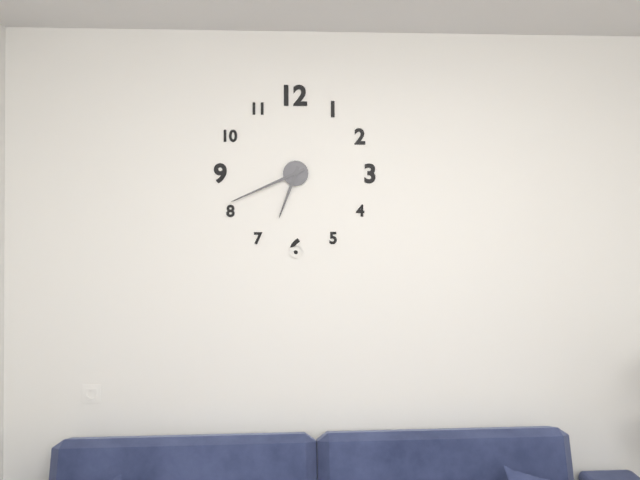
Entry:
6 h 41 min
